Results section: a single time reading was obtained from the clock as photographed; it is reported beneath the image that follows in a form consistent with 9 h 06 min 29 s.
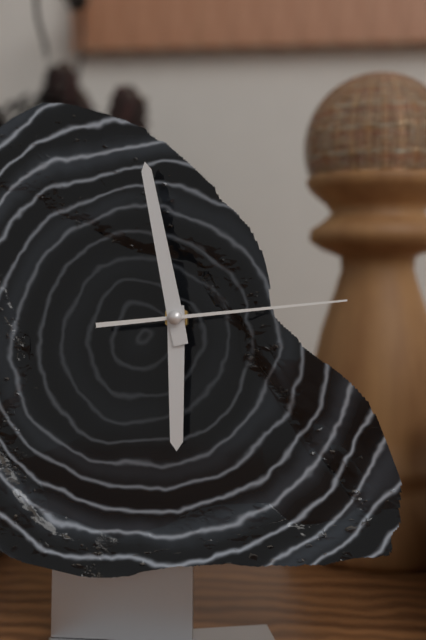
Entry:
5 h 58 min 14 s
